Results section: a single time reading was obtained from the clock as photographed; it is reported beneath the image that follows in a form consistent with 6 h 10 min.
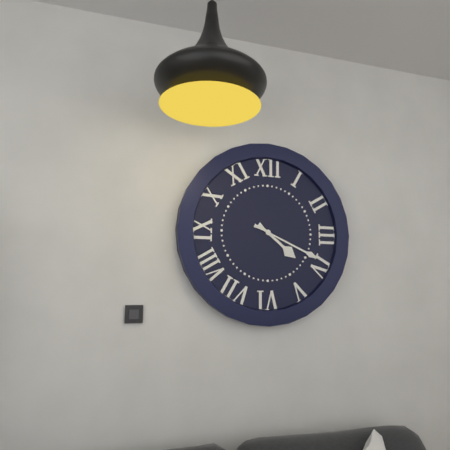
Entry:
4 h 19 min
